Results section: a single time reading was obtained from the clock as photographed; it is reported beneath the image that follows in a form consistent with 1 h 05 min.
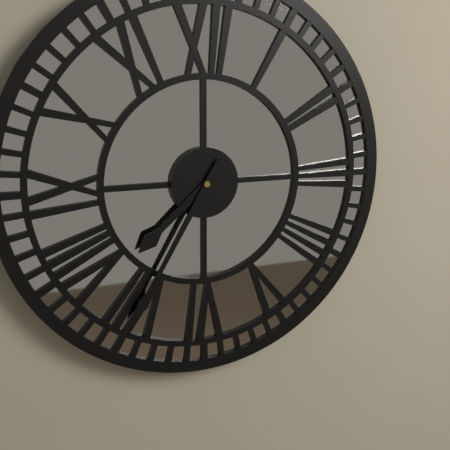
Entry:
7 h 35 min
